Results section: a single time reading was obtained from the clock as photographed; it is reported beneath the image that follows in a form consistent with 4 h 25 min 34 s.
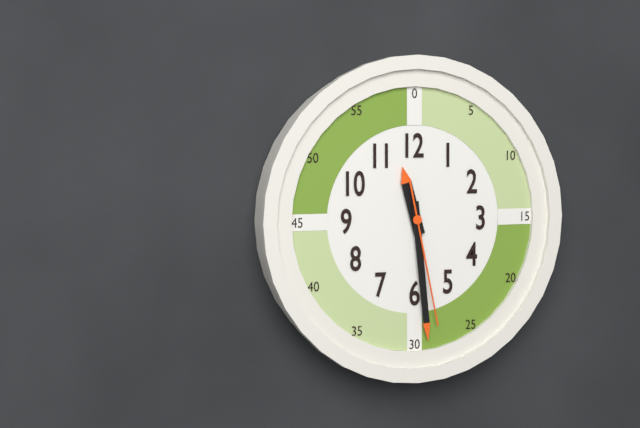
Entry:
11 h 29 min 28 s
